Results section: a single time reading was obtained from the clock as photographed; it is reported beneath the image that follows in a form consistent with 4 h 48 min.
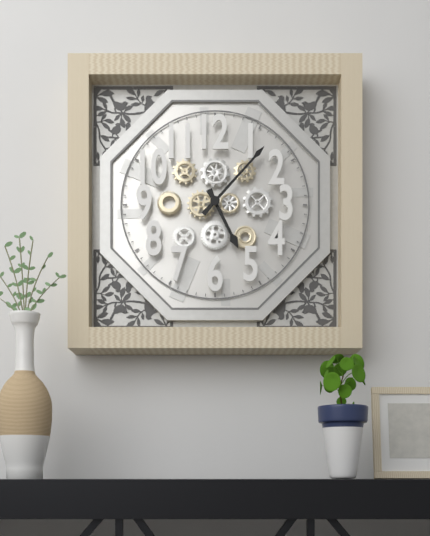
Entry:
5 h 07 min
